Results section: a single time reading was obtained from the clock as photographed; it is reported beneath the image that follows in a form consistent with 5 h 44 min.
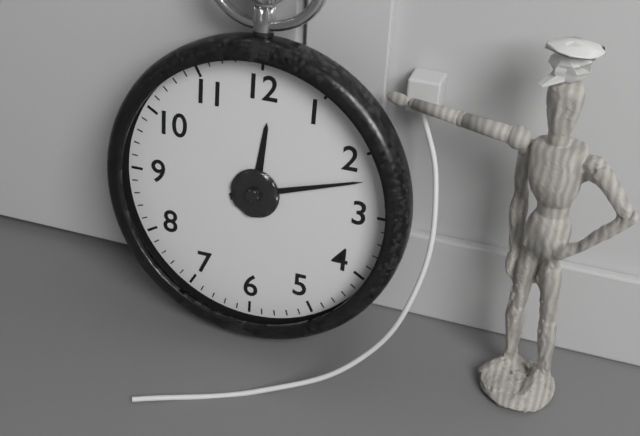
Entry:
12 h 12 min
